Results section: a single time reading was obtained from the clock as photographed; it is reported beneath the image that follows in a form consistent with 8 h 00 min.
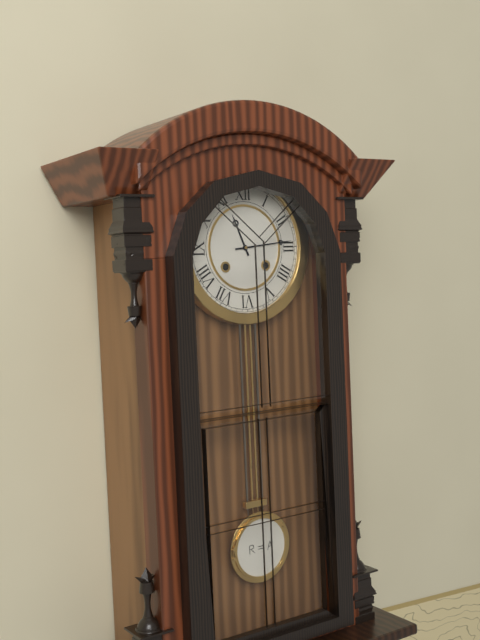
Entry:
11 h 14 min
